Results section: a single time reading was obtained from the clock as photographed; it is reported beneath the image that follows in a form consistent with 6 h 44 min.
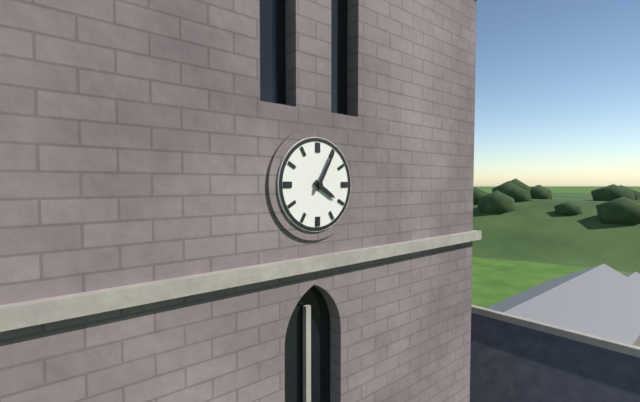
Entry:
4 h 05 min
